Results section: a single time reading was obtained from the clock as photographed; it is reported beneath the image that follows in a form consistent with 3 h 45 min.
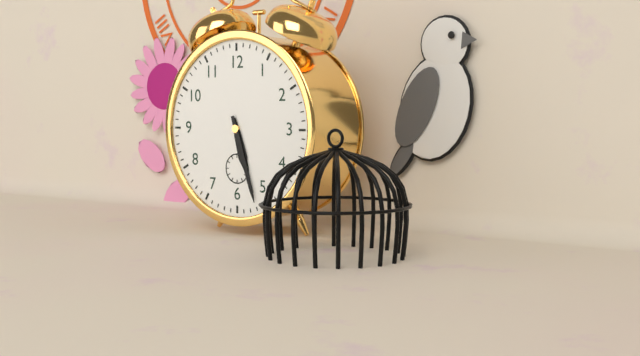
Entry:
5 h 27 min
